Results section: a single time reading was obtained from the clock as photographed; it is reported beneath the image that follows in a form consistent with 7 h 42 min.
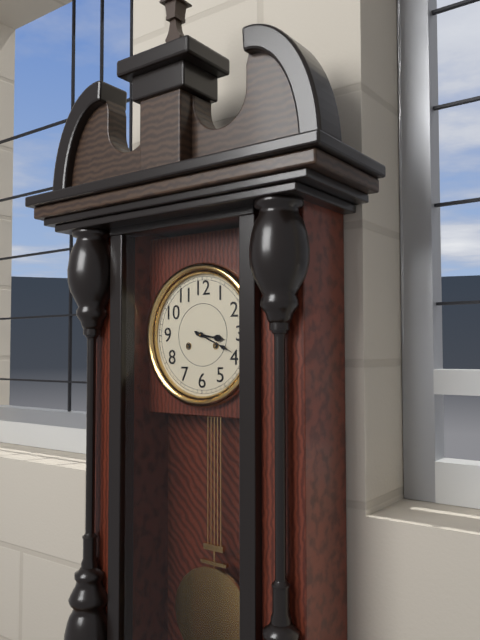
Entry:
3 h 19 min
